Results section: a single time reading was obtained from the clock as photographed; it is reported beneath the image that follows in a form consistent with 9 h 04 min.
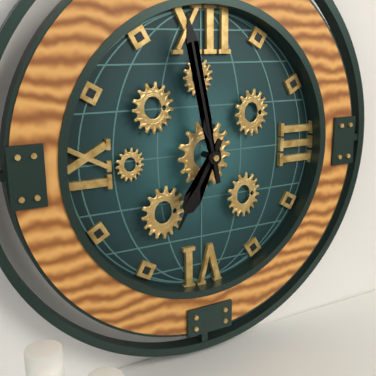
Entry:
6 h 58 min
